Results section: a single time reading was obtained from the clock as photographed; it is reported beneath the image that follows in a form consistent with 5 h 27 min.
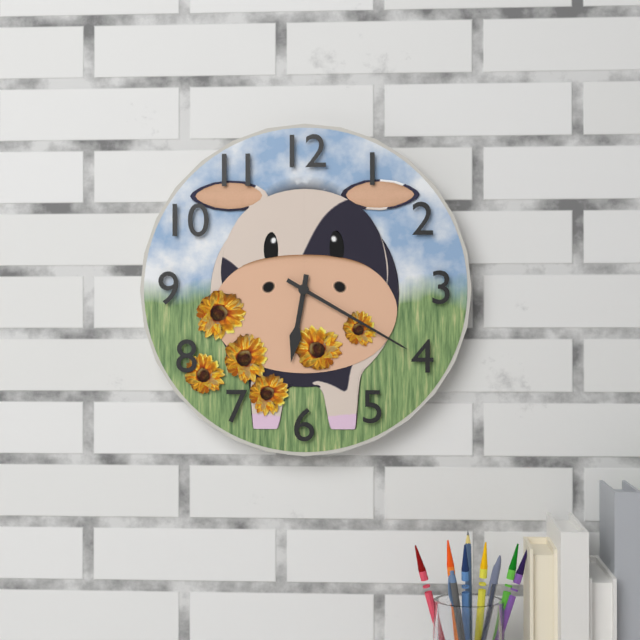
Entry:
6 h 20 min
